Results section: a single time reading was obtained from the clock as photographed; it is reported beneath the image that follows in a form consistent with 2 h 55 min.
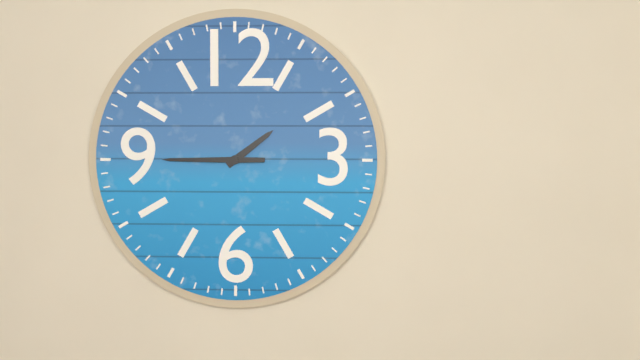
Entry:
1 h 45 min
